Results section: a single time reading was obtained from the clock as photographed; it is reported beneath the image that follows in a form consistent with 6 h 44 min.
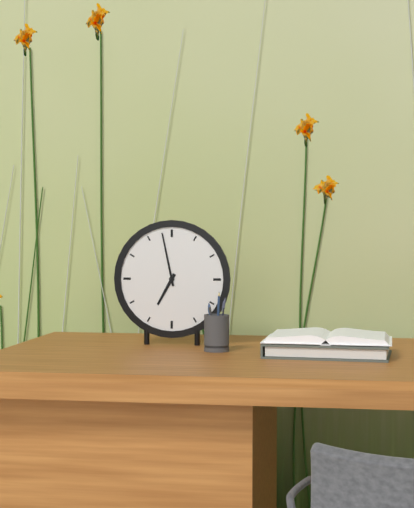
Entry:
6 h 58 min
